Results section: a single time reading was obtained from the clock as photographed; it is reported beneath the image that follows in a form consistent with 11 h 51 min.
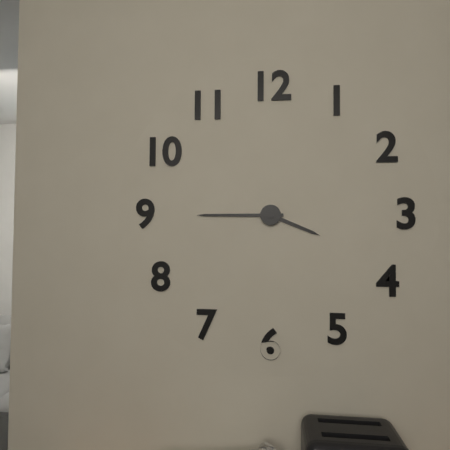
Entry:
3 h 45 min
